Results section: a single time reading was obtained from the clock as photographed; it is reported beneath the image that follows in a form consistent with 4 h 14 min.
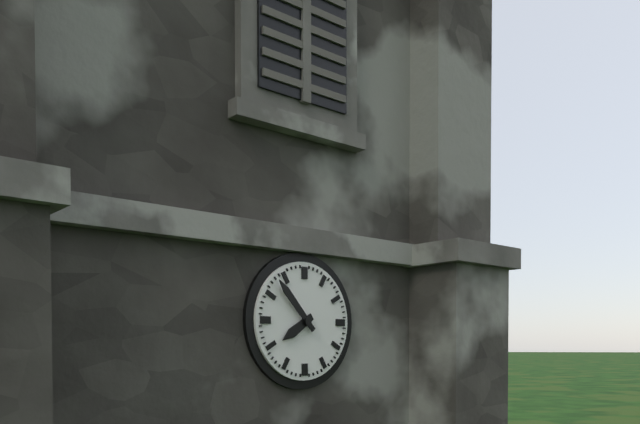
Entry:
7 h 53 min
